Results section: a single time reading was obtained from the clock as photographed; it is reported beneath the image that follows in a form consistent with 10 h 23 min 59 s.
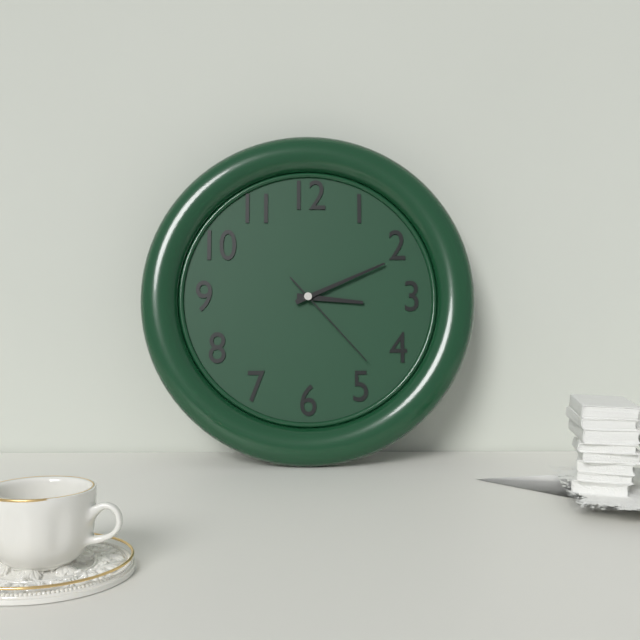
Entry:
3 h 11 min 23 s
